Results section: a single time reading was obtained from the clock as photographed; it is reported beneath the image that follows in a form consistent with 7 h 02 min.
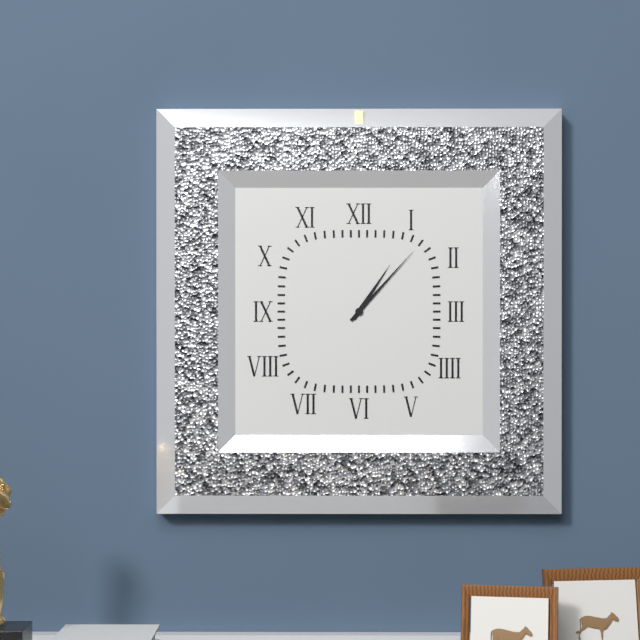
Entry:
1 h 07 min
